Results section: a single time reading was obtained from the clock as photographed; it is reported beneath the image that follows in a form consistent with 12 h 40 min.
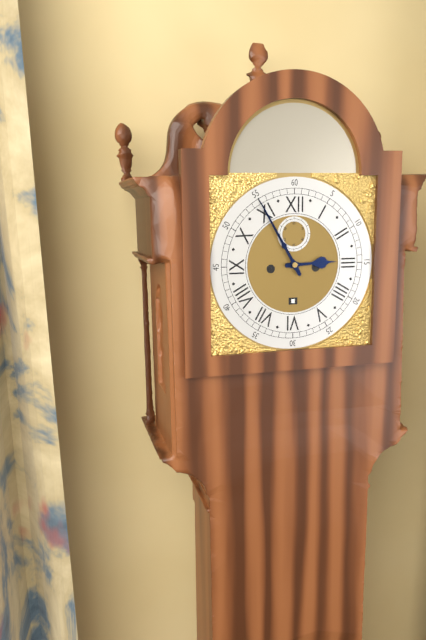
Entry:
2 h 55 min
